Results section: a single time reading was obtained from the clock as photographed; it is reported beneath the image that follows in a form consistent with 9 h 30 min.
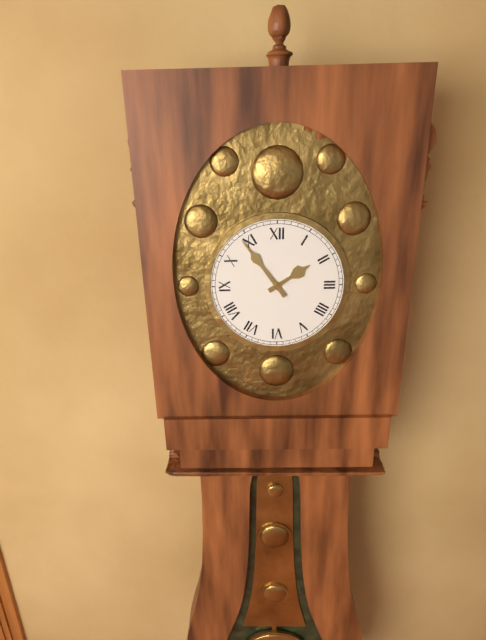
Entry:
1 h 54 min
